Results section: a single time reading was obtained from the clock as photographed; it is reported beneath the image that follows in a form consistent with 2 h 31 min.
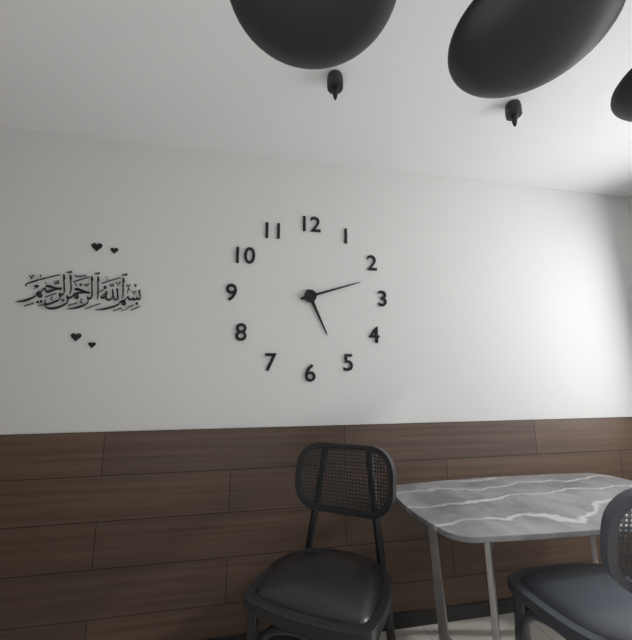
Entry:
5 h 12 min
